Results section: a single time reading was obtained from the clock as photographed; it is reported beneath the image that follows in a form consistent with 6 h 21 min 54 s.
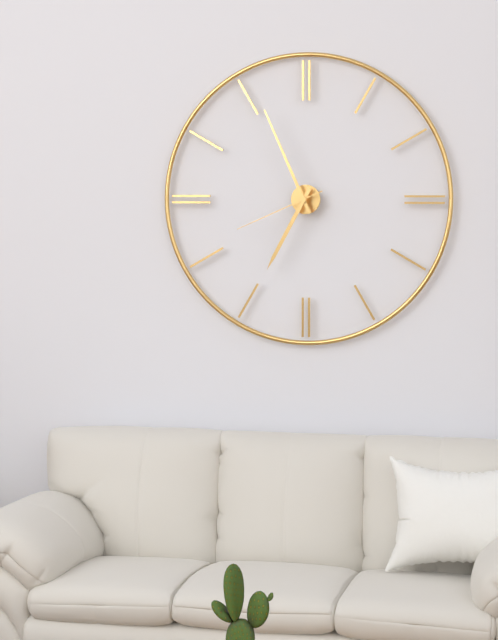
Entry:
6 h 56 min 41 s
